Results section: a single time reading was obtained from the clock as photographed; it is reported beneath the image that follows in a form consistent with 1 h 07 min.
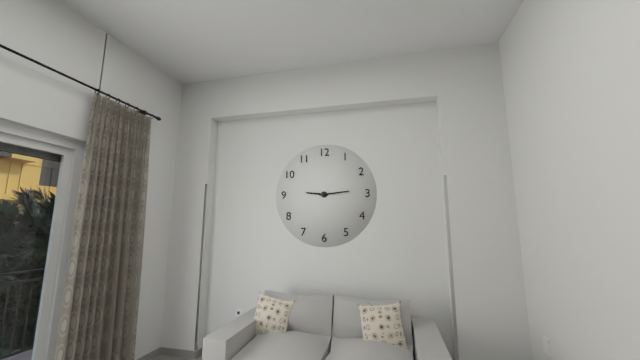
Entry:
9 h 14 min
